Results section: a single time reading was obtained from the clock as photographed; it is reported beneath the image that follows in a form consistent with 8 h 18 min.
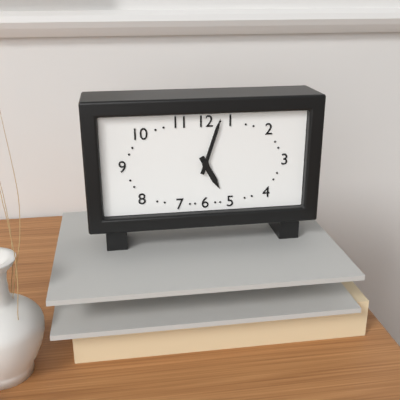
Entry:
5 h 03 min
